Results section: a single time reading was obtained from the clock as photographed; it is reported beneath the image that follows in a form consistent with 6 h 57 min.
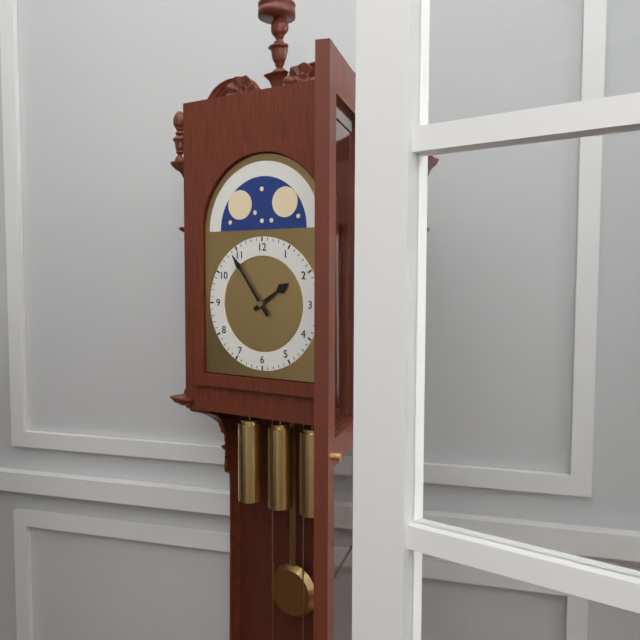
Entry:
1 h 54 min
